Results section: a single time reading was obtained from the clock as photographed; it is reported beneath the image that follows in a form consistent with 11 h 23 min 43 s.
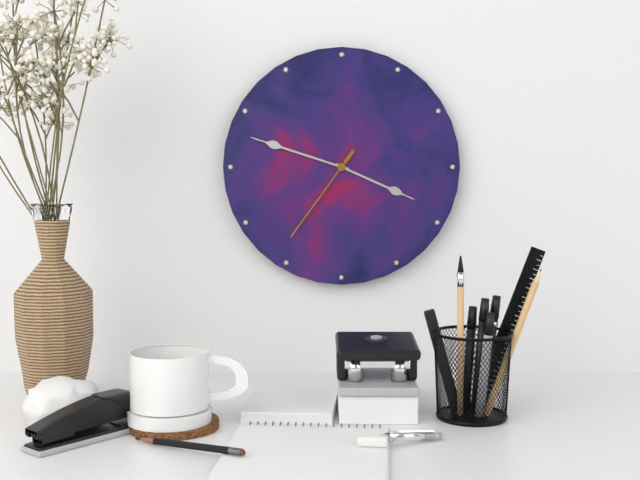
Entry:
3 h 48 min 36 s
